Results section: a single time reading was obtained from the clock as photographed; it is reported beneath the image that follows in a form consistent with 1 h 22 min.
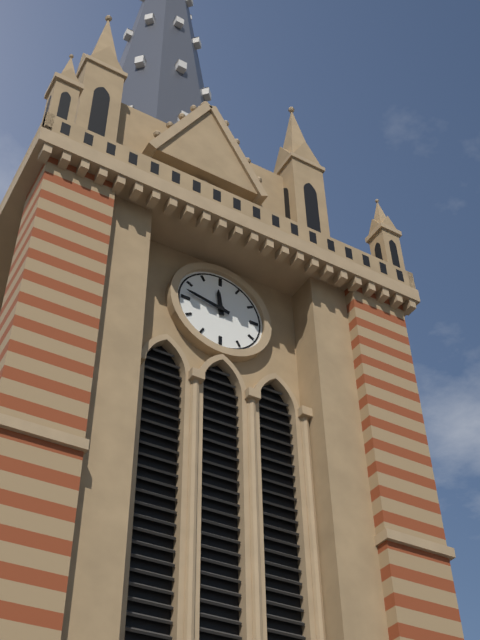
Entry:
11 h 47 min
